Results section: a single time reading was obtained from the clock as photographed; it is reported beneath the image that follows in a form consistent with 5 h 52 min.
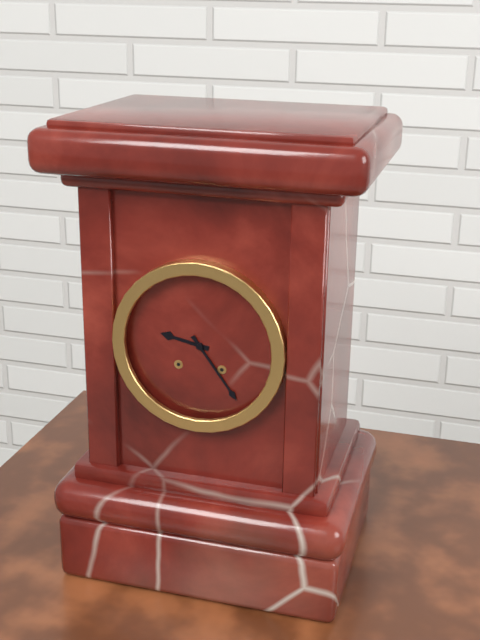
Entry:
9 h 24 min
